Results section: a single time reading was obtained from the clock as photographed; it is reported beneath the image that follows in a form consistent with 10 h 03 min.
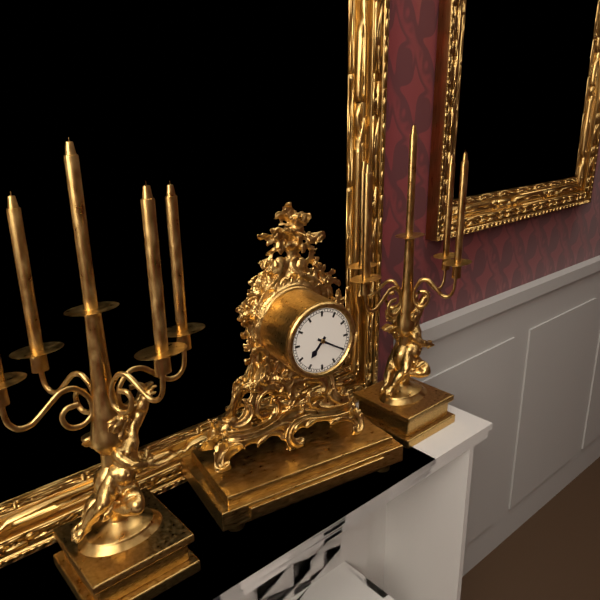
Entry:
7 h 20 min
